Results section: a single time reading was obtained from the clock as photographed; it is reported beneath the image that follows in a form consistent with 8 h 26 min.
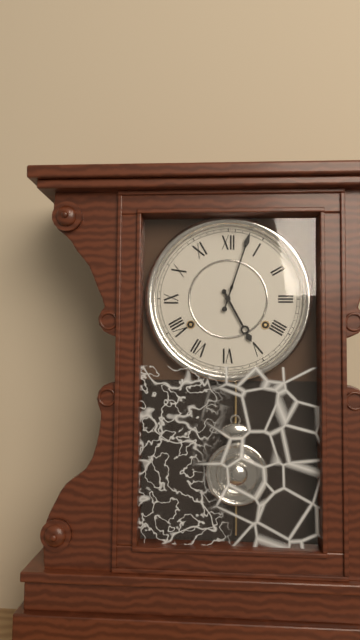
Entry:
5 h 03 min
